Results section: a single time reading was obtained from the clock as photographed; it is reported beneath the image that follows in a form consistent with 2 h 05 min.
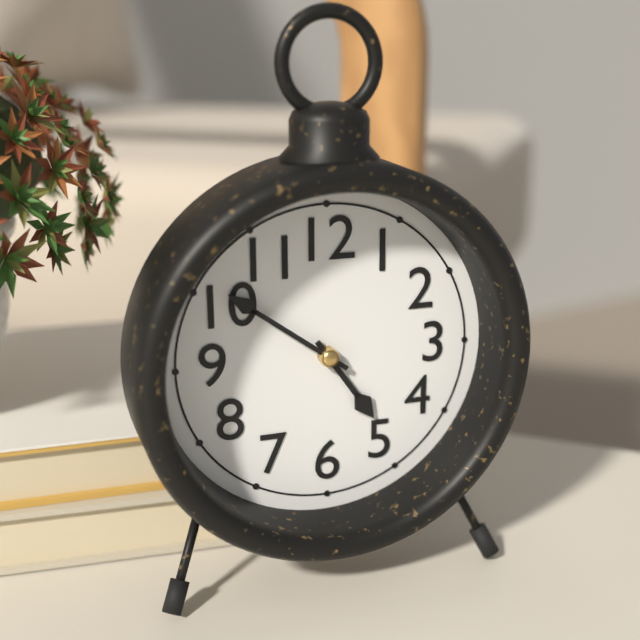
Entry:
4 h 51 min
